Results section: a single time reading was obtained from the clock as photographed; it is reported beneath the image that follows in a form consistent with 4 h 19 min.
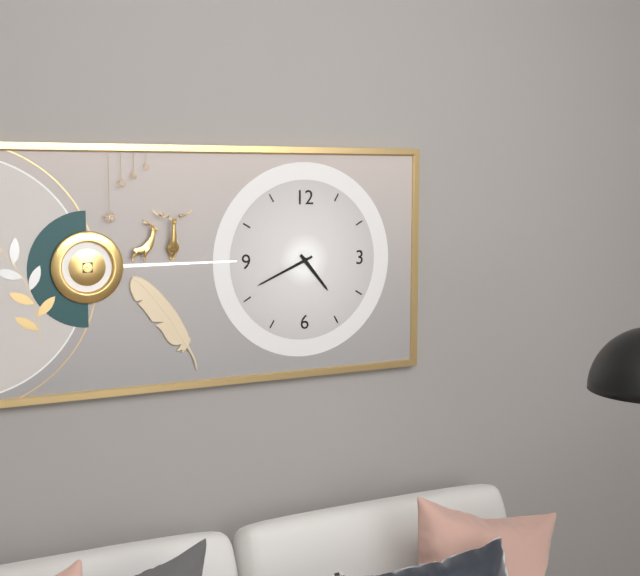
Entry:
4 h 41 min
